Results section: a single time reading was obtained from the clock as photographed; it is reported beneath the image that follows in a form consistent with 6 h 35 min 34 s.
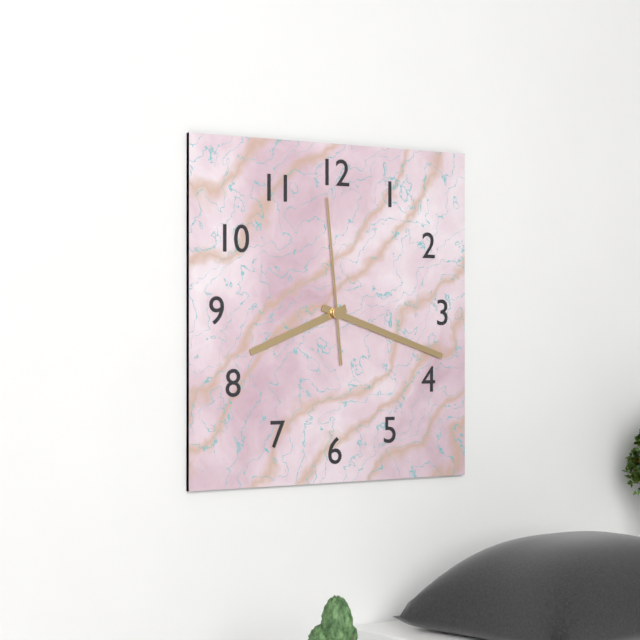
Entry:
8 h 18 min 59 s
